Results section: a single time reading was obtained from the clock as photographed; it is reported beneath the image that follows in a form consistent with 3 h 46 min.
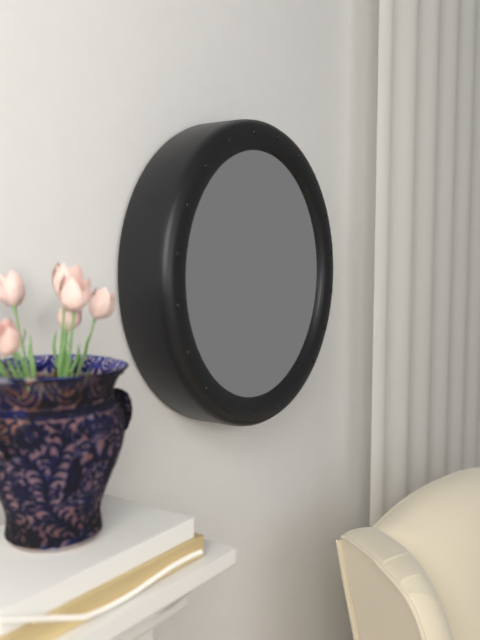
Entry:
5 h 55 min
